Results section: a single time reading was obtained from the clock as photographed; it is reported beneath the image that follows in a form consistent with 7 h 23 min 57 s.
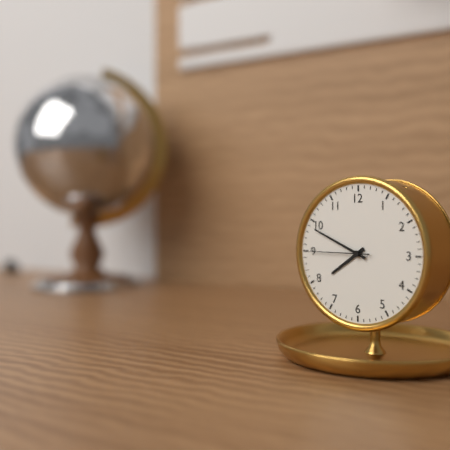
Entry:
7 h 49 min 45 s
